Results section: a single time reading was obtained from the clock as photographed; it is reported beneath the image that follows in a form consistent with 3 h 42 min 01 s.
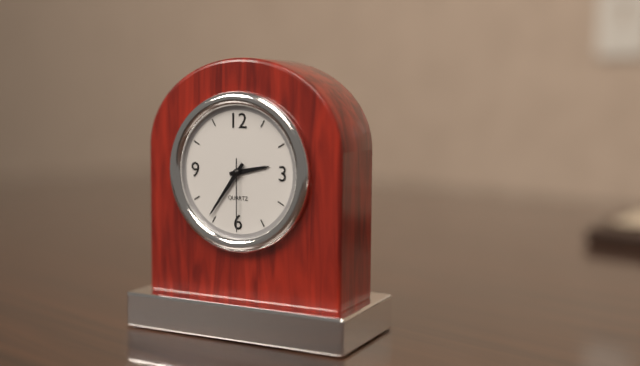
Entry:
2 h 36 min 30 s
